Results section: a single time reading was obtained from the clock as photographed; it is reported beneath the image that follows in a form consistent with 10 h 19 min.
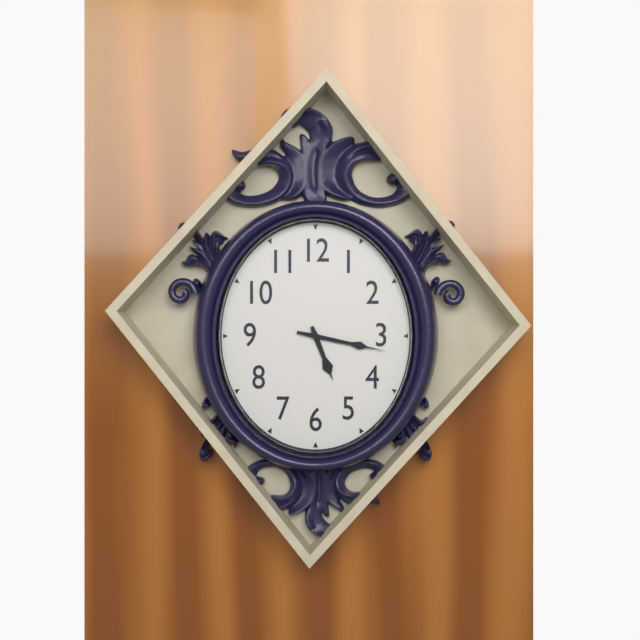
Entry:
5 h 17 min
